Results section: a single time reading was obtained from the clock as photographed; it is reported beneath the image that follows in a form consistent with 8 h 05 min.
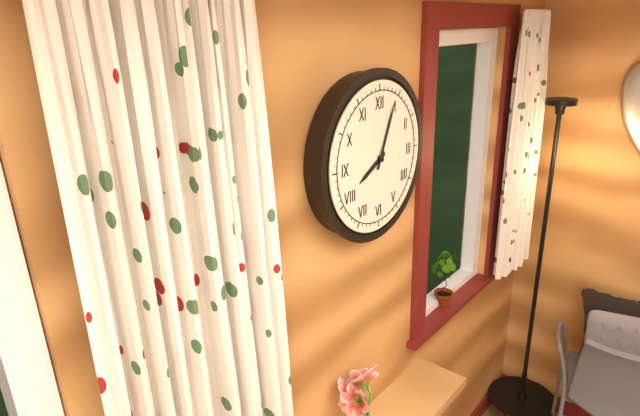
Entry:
8 h 04 min
